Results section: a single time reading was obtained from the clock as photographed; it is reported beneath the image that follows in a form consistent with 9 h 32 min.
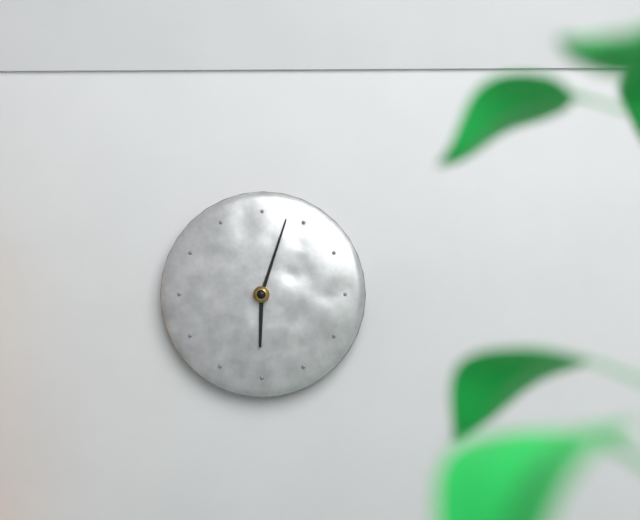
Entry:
6 h 03 min
